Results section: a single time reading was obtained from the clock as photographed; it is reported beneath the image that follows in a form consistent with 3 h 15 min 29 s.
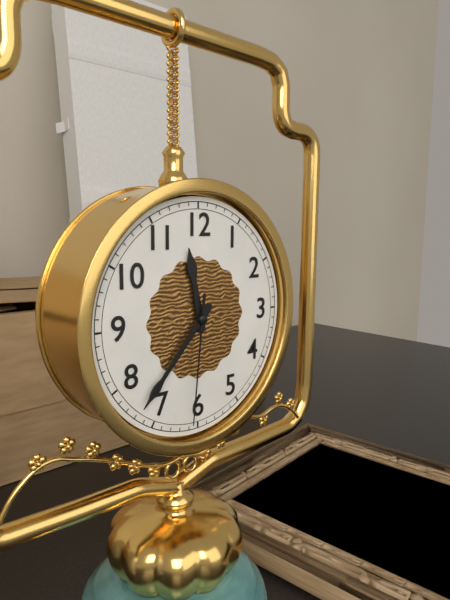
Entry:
11 h 37 min 31 s
